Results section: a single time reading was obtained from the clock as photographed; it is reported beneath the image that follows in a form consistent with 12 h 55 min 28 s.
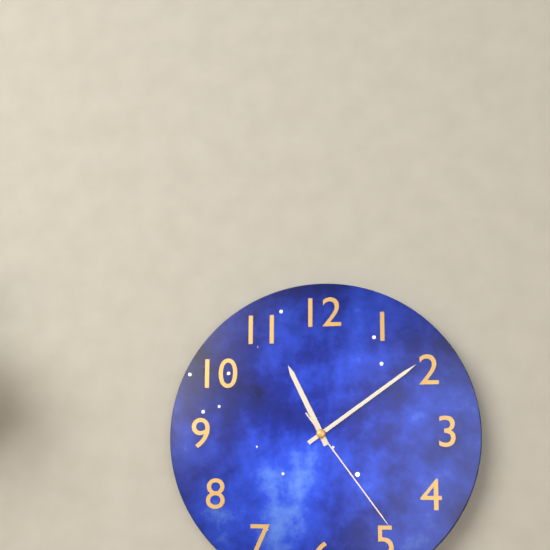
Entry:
11 h 09 min 24 s
